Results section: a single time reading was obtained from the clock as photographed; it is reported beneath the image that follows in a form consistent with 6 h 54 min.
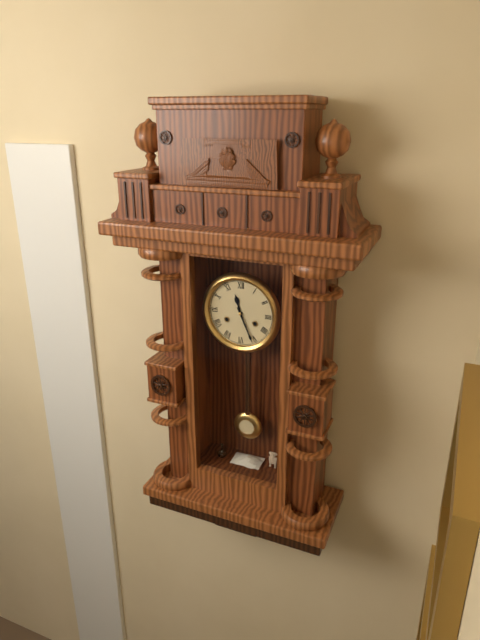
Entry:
11 h 26 min
